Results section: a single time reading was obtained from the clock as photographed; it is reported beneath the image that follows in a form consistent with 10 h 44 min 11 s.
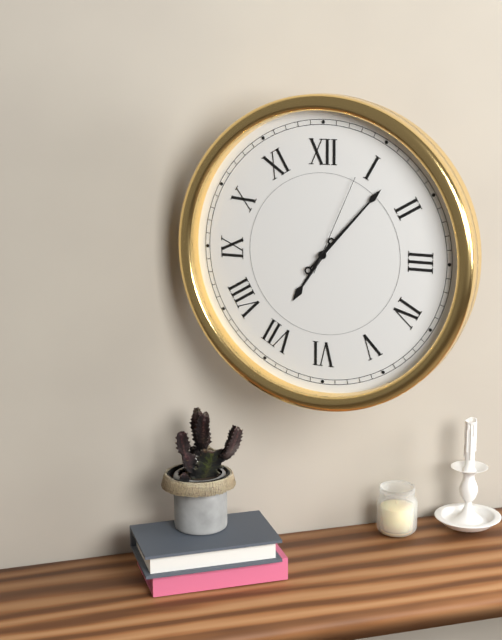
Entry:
7 h 07 min 04 s
